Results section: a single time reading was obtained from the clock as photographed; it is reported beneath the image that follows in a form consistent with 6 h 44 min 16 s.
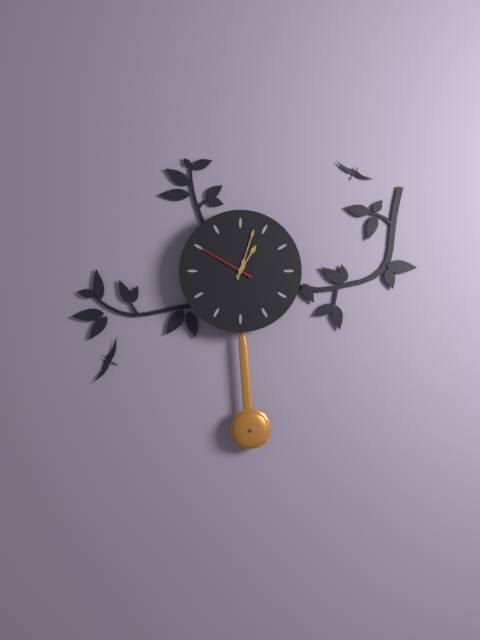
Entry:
1 h 03 min 50 s
